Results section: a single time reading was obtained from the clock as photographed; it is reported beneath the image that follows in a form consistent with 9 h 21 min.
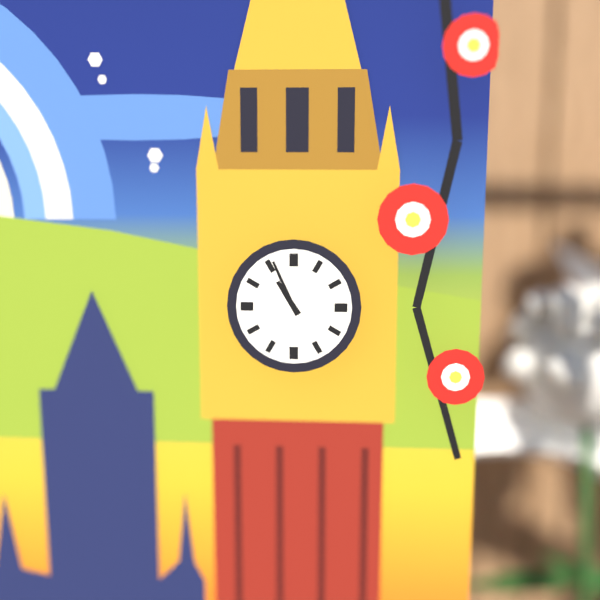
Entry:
10 h 56 min
